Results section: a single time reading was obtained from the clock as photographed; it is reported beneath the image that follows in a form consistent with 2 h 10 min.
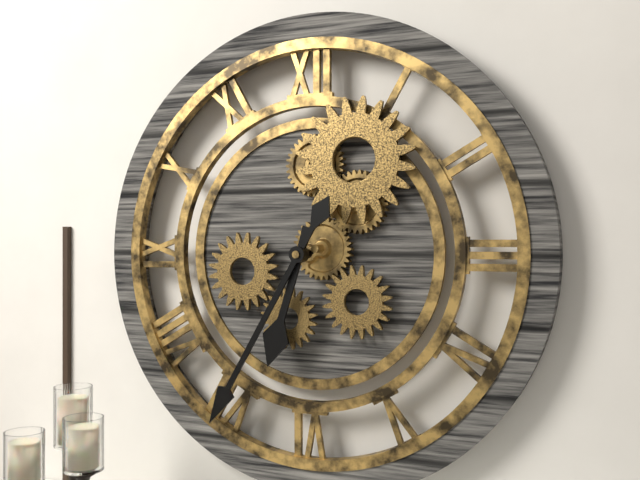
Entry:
6 h 35 min
